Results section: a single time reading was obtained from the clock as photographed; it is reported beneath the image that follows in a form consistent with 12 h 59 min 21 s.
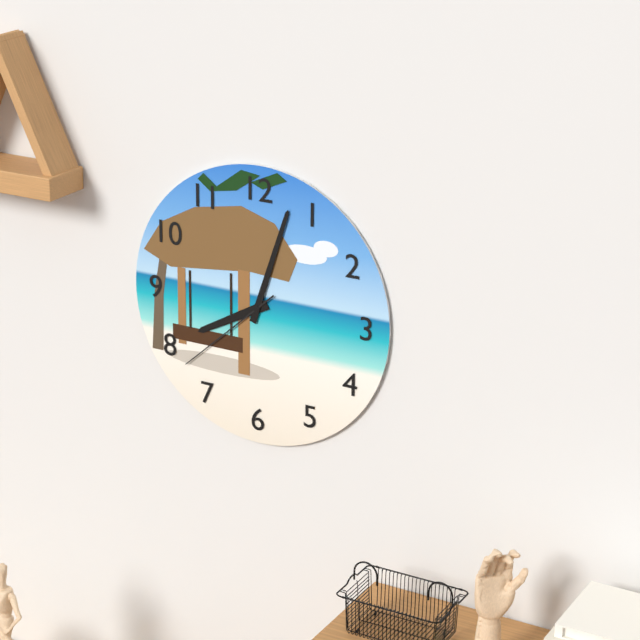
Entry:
8 h 03 min 38 s
